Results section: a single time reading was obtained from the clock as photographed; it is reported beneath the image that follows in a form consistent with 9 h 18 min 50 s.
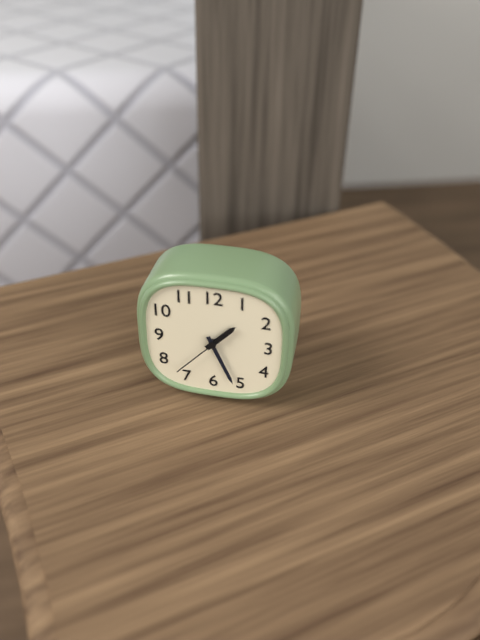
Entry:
1 h 26 min 37 s
